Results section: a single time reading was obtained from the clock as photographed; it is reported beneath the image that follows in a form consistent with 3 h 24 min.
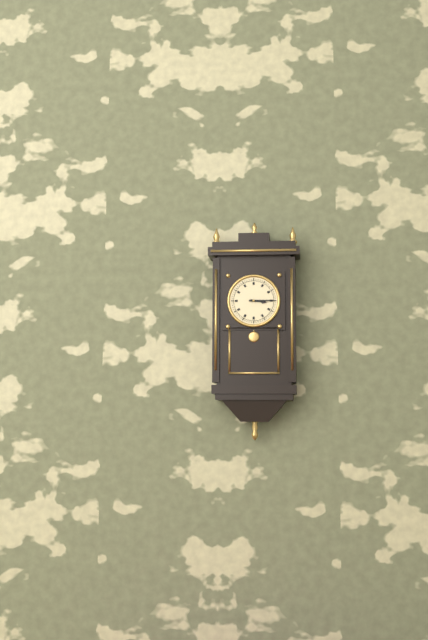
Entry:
3 h 15 min
